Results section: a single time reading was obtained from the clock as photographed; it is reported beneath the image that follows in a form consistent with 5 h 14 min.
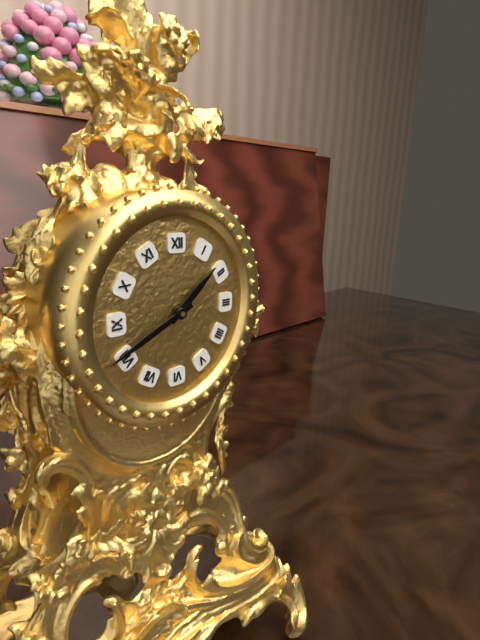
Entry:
1 h 41 min
